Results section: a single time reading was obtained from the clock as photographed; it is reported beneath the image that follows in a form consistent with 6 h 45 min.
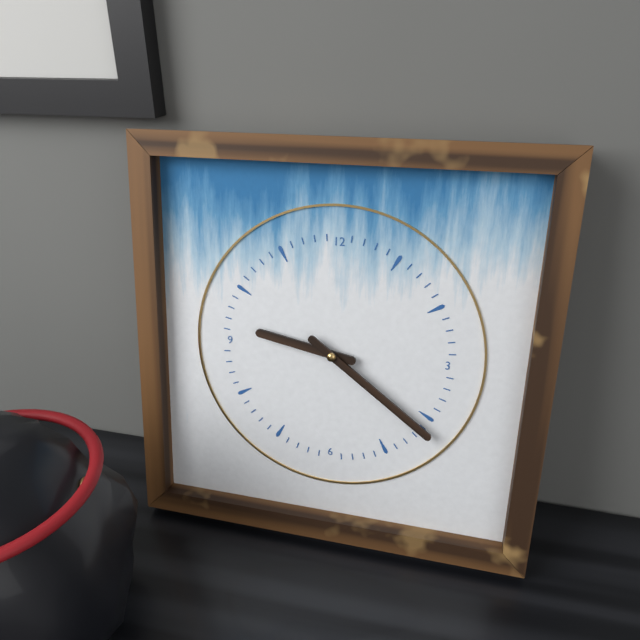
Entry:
9 h 21 min
